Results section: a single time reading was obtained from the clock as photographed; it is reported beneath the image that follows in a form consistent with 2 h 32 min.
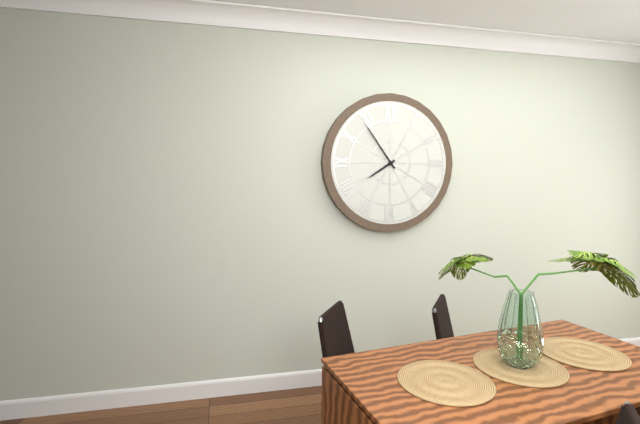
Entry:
7 h 54 min
